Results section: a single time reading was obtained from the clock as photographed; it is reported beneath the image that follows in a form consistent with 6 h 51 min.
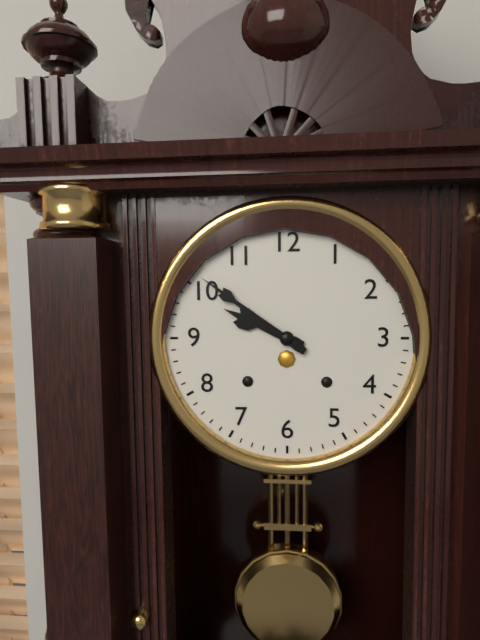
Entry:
9 h 51 min
